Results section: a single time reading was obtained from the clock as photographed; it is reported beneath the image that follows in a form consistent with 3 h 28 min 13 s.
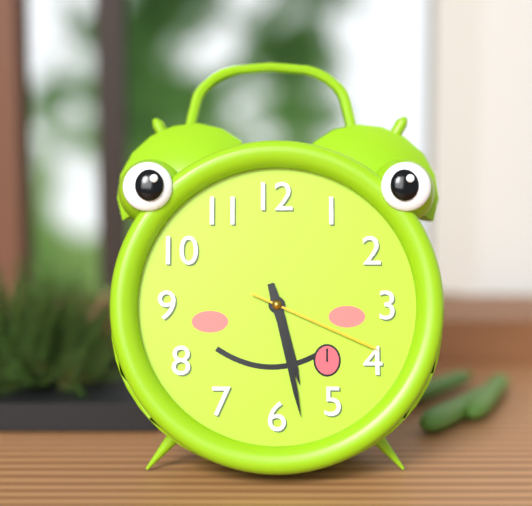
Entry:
5 h 28 min 19 s
